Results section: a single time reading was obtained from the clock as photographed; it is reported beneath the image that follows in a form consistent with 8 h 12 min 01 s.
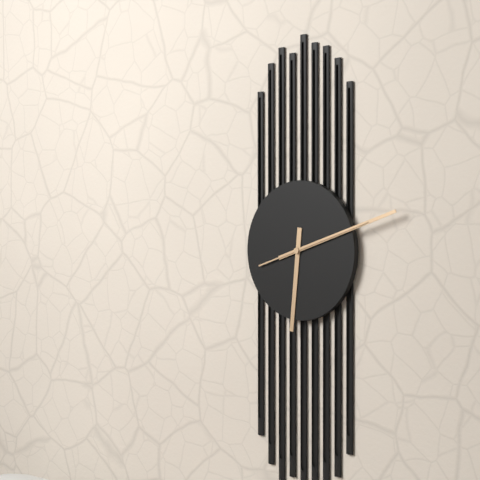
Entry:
6 h 12 min 12 s
